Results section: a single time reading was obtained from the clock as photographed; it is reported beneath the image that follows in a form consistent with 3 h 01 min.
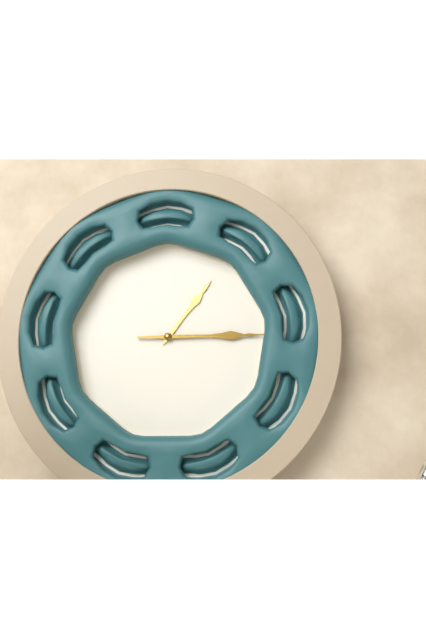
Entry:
1 h 15 min
